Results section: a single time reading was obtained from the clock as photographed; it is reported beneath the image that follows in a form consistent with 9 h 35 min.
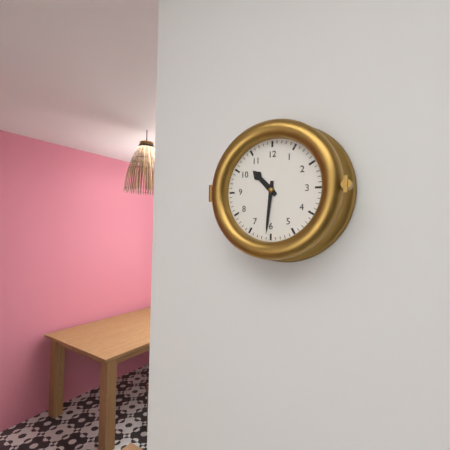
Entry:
10 h 31 min
